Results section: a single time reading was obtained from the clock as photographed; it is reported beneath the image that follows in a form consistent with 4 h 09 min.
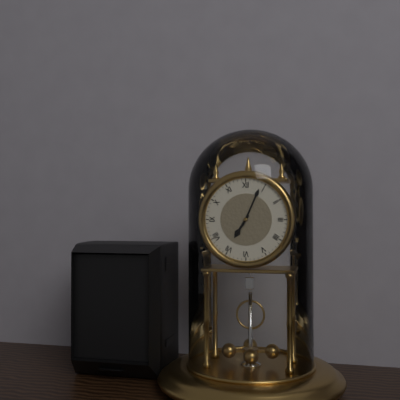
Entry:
7 h 04 min
